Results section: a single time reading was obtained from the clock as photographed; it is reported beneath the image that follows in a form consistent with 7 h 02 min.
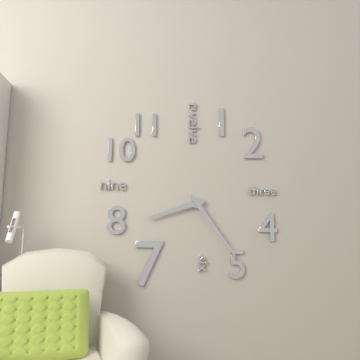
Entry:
8 h 24 min
